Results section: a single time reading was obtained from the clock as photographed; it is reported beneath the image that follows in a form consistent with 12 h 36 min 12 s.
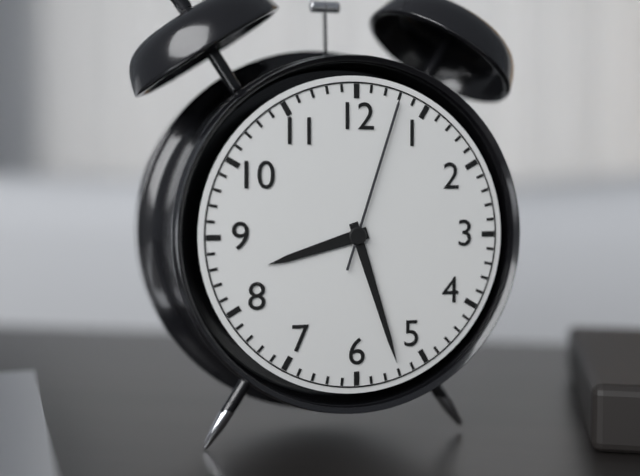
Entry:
8 h 27 min 03 s
